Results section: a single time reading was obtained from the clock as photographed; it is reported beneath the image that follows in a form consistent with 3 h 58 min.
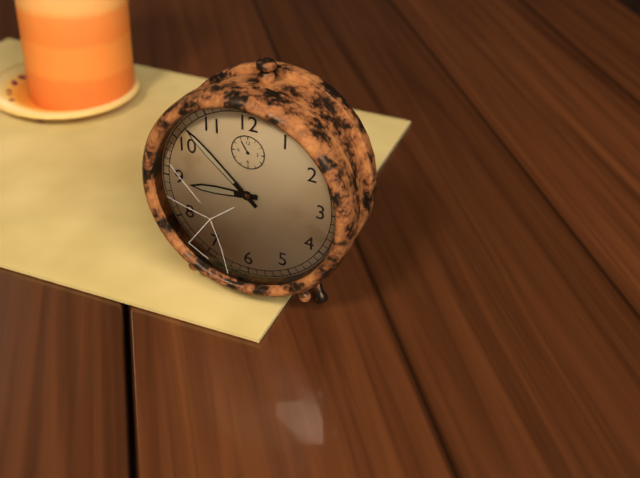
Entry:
8 h 52 min
